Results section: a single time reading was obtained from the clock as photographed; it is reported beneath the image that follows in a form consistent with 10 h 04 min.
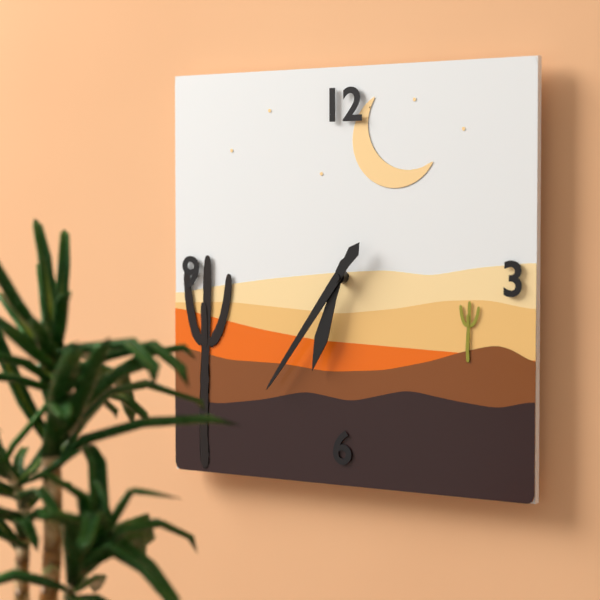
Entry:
6 h 36 min
